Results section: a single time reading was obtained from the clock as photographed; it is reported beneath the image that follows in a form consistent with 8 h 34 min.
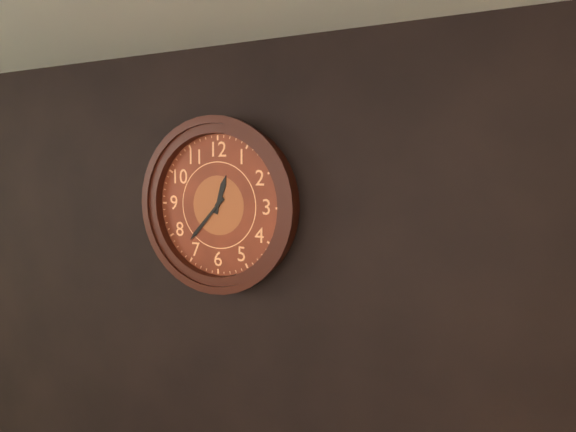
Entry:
12 h 37 min
